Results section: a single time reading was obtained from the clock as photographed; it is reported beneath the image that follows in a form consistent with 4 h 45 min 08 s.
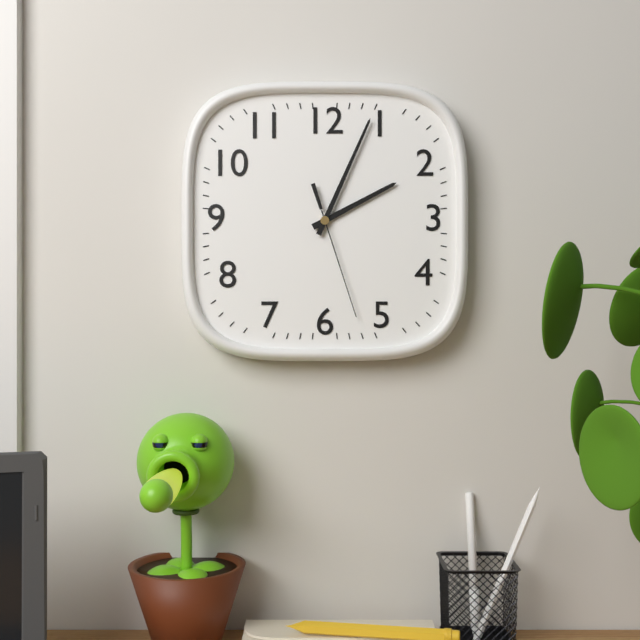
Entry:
2 h 04 min 27 s
